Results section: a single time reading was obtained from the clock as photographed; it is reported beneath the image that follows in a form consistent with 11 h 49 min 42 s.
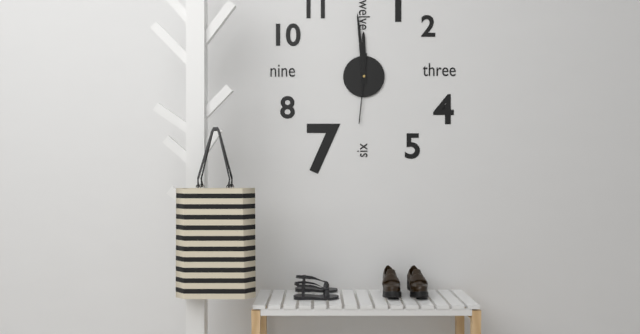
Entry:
11 h 59 min 31 s
